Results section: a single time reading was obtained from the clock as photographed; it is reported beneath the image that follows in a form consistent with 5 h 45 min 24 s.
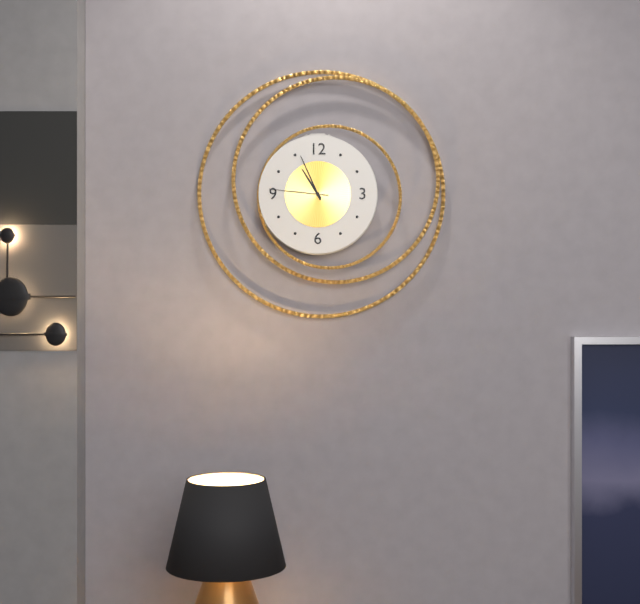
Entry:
10 h 56 min 46 s
